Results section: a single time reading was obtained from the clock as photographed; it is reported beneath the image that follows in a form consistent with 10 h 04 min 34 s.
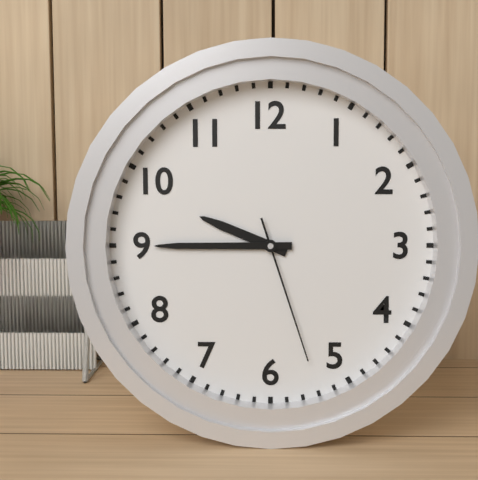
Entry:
9 h 45 min 27 s
